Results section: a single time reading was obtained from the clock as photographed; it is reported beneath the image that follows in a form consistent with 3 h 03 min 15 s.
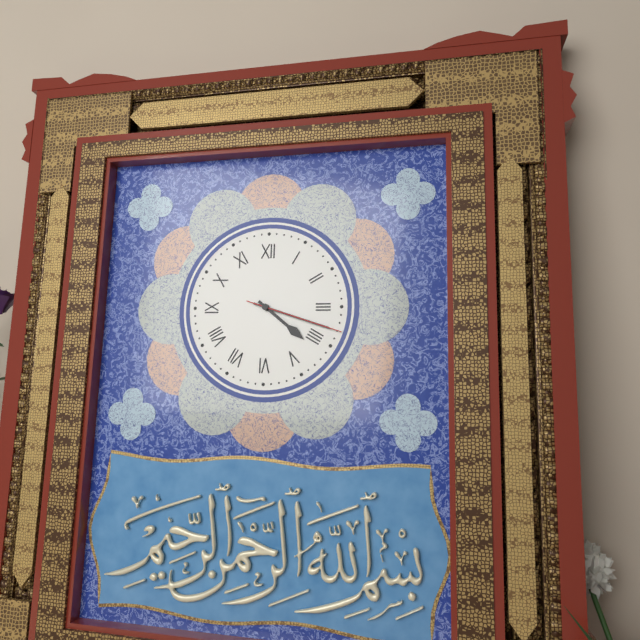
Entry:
4 h 18 min 18 s
